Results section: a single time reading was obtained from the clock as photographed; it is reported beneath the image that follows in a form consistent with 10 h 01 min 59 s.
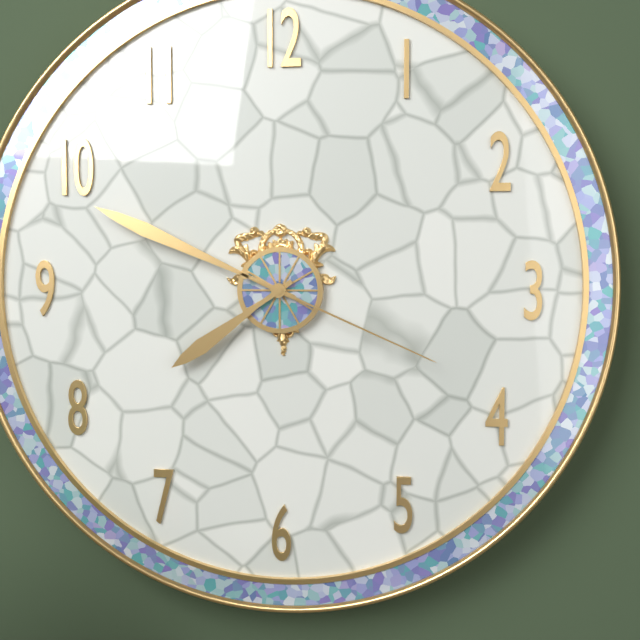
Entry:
7 h 49 min 19 s
